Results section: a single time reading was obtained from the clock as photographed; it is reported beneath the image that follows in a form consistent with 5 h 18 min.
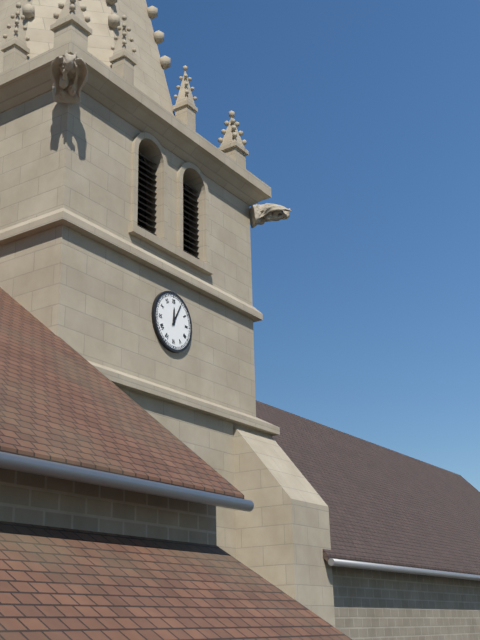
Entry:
12 h 05 min
